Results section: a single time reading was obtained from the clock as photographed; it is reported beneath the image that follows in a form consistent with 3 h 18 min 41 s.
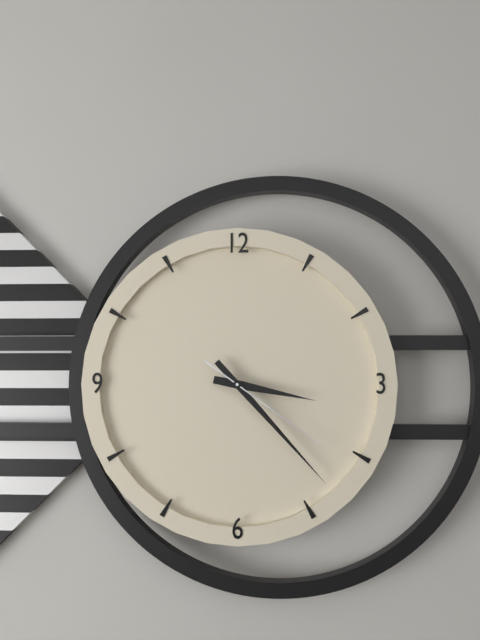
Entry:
3 h 23 min 21 s
